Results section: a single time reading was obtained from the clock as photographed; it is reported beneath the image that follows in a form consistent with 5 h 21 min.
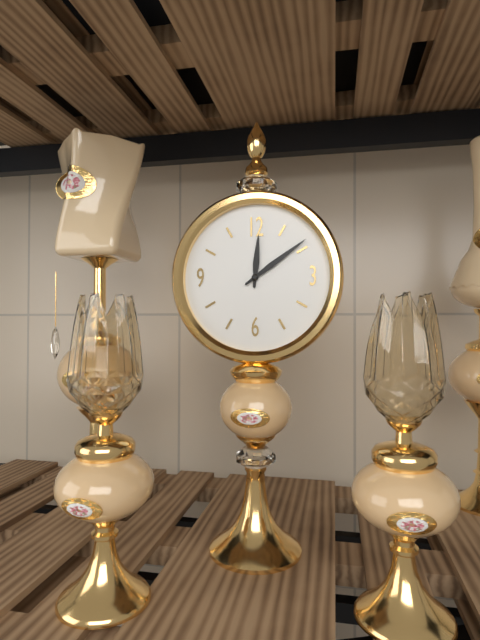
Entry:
12 h 09 min
